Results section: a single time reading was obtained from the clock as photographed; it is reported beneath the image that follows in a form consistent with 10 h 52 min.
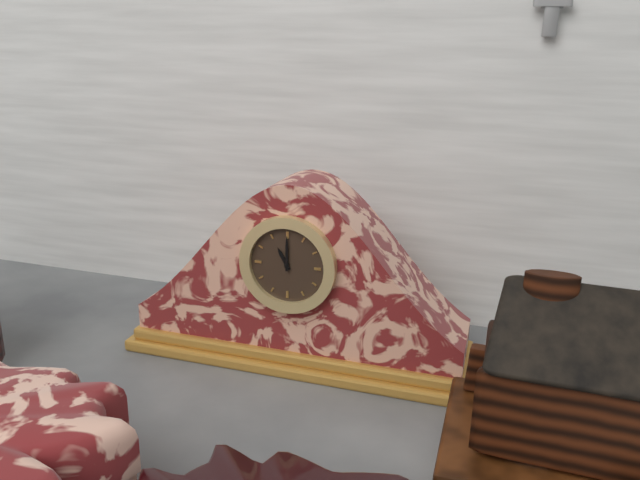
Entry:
11 h 00 min
